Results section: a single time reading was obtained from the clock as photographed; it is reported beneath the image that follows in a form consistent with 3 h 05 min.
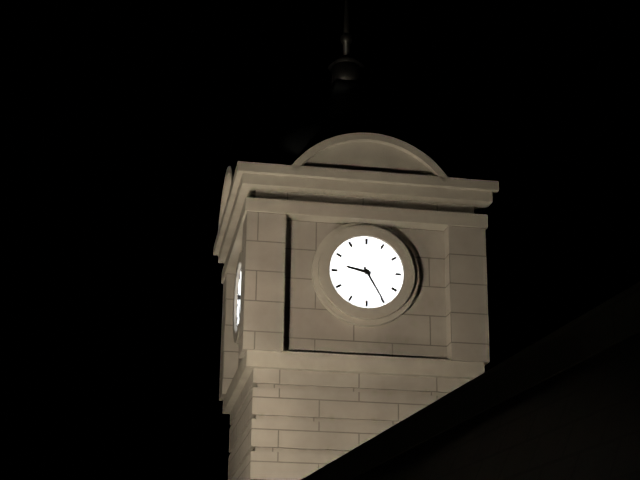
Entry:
9 h 25 min
